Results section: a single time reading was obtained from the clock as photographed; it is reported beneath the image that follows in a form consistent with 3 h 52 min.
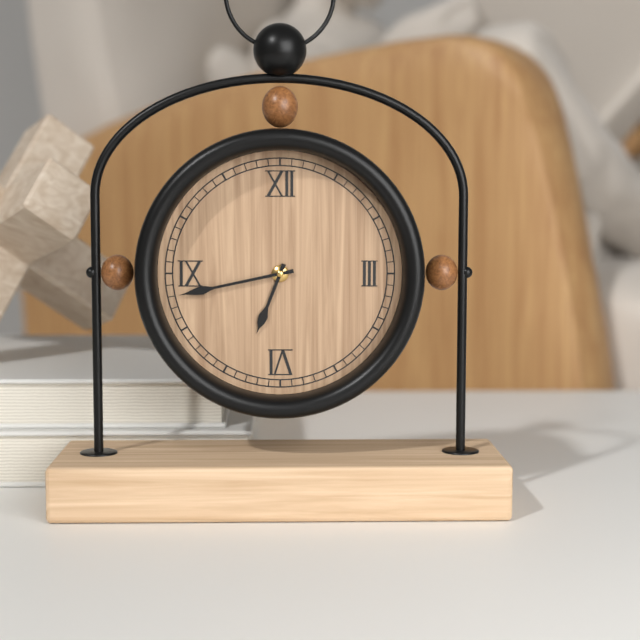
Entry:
6 h 43 min
